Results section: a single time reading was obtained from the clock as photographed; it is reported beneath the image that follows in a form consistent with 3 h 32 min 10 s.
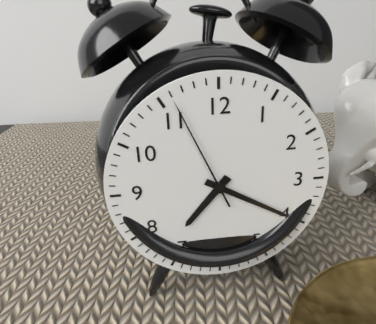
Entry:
7 h 20 min 56 s
